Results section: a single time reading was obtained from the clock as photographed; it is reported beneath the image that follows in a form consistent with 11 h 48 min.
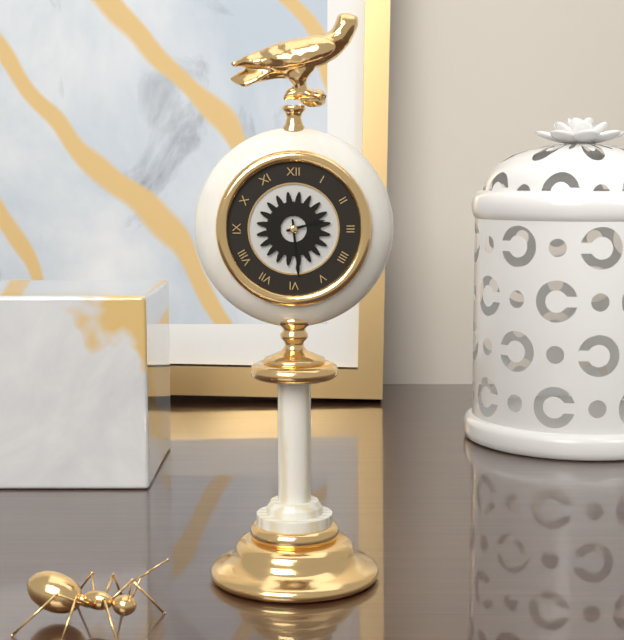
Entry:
2 h 29 min
